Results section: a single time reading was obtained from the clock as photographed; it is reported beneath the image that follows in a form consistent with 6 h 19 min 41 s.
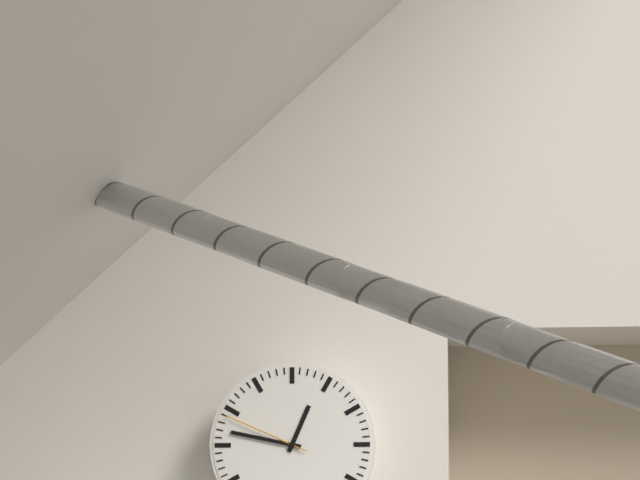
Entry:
12 h 47 min 49 s
